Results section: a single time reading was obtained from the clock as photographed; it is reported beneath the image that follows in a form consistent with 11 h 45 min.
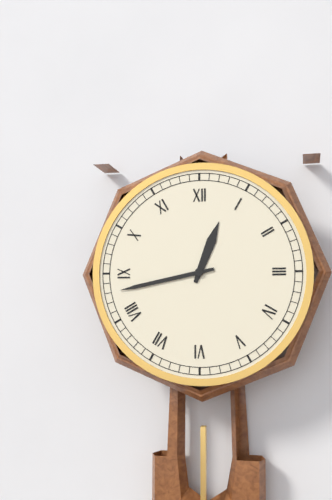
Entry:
12 h 43 min
